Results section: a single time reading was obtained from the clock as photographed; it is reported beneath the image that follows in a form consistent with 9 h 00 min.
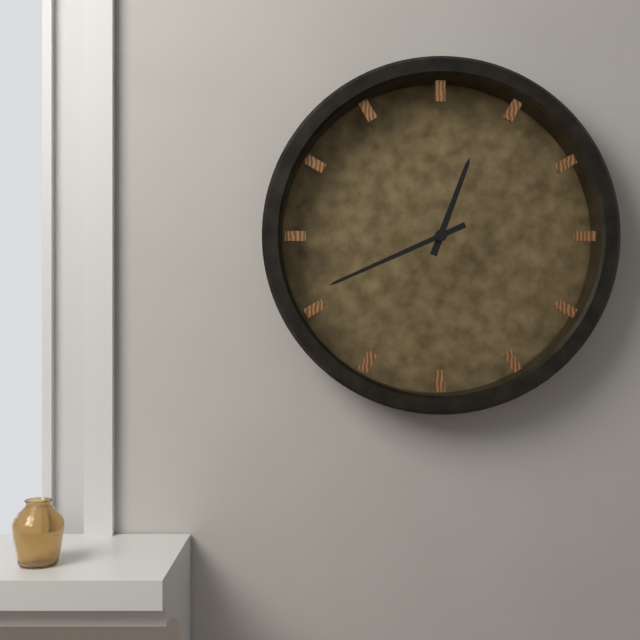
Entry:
12 h 41 min
